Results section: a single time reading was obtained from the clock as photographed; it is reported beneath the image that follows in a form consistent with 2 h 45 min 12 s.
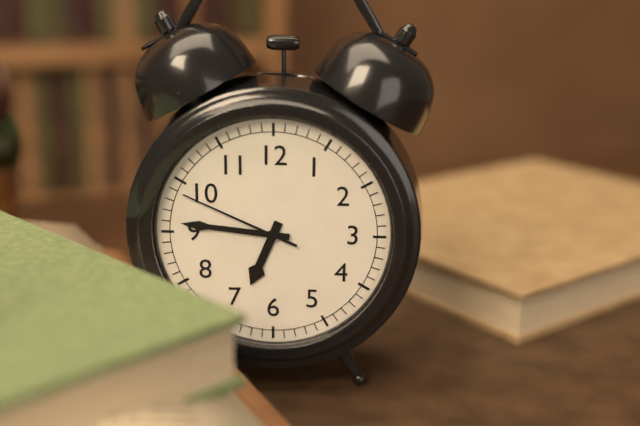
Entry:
6 h 46 min 49 s
